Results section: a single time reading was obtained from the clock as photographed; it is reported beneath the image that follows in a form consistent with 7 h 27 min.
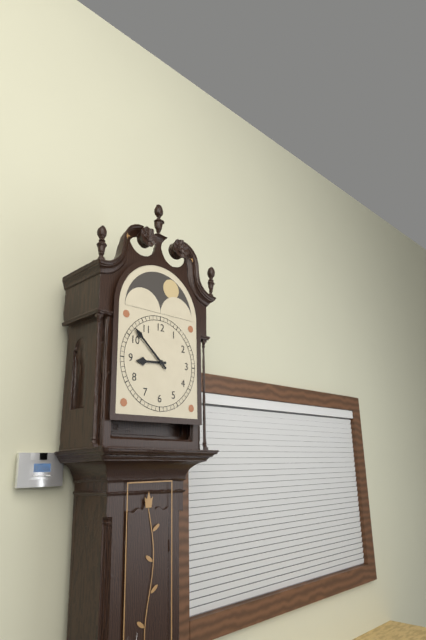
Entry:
8 h 52 min
